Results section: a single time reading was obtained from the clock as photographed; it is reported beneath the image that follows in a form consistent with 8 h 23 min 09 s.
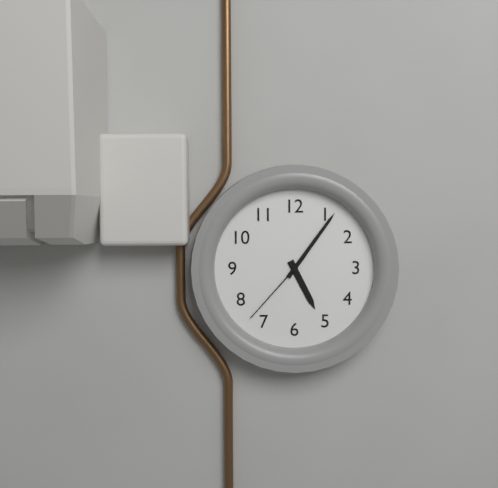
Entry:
5 h 06 min 37 s
